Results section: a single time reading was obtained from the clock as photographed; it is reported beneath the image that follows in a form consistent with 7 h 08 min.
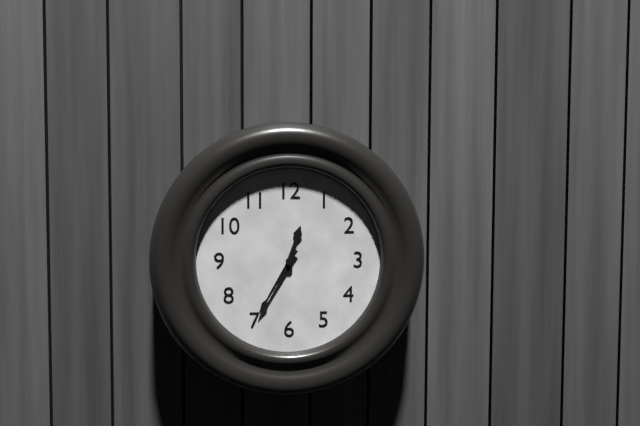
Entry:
12 h 35 min
